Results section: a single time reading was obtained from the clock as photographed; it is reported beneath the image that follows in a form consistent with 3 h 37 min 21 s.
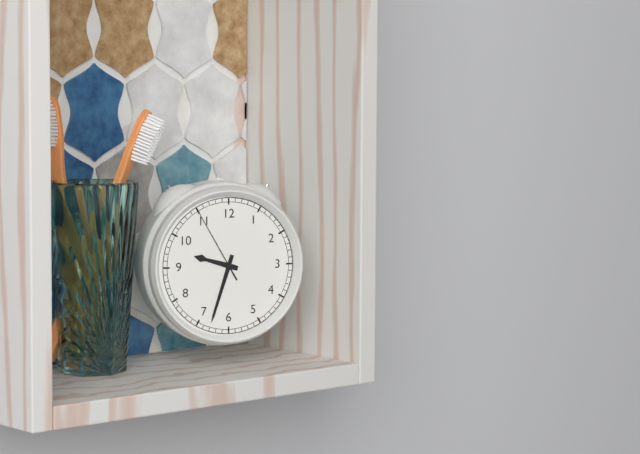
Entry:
9 h 33 min 55 s
